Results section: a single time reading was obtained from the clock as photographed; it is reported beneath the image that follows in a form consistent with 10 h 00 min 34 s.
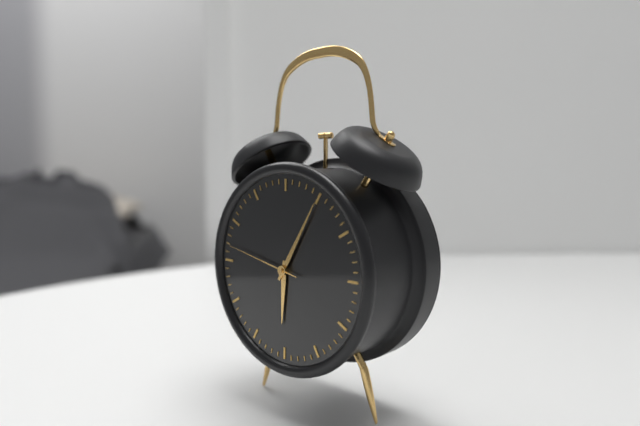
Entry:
6 h 05 min 47 s
